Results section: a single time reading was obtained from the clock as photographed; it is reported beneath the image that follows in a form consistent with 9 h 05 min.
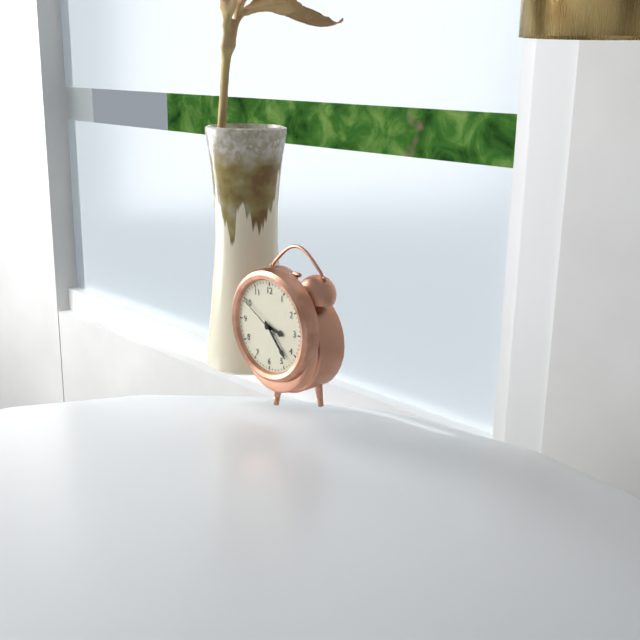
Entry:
3 h 23 min
